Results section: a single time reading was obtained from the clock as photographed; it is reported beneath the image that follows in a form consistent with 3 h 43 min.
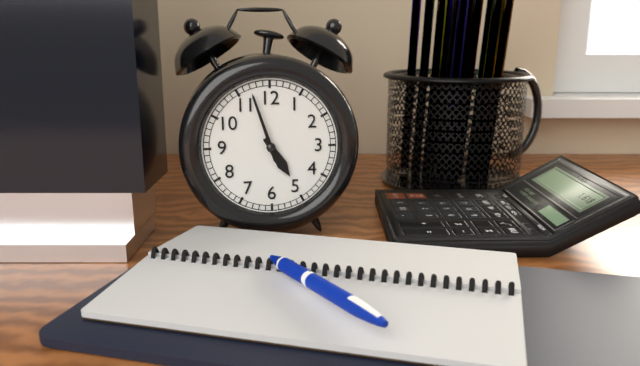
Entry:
4 h 57 min
